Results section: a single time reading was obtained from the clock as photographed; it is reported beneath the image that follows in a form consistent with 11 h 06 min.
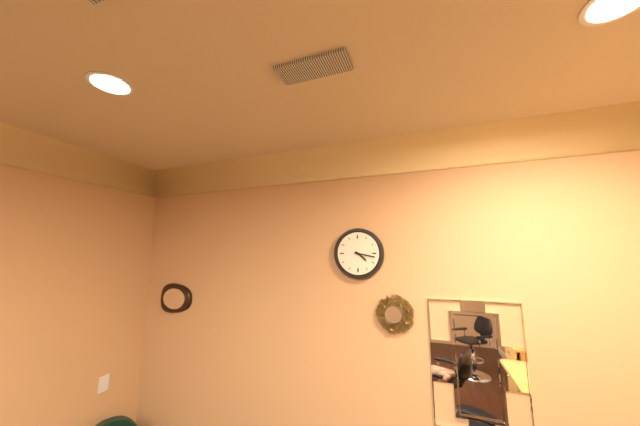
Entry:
4 h 17 min
